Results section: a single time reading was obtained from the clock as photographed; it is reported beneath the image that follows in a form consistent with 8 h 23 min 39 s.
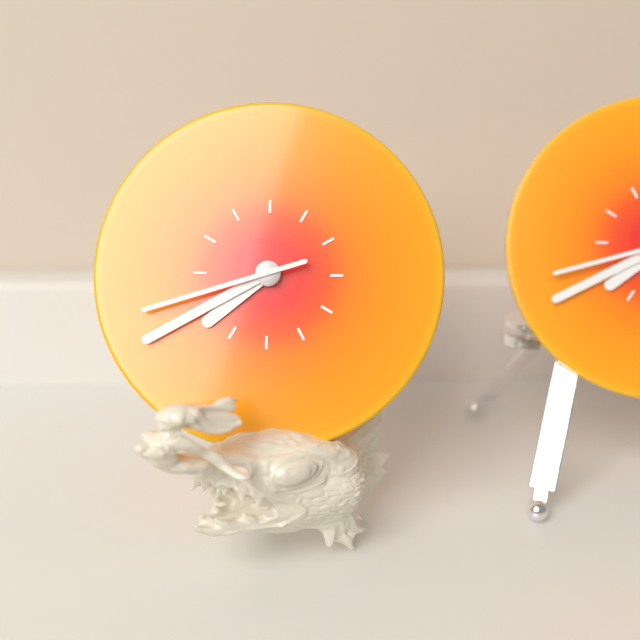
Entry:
7 h 40 min 42 s
